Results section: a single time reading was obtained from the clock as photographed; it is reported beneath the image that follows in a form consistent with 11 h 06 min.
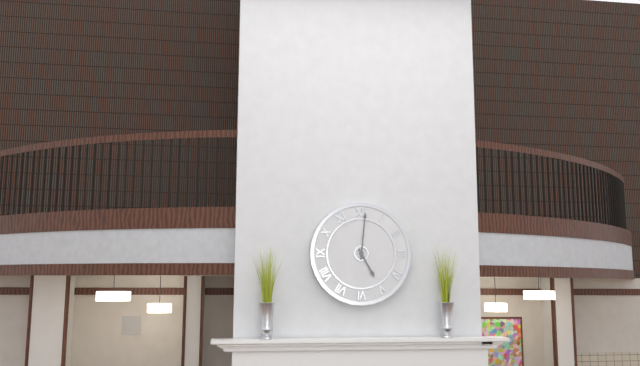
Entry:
5 h 01 min
